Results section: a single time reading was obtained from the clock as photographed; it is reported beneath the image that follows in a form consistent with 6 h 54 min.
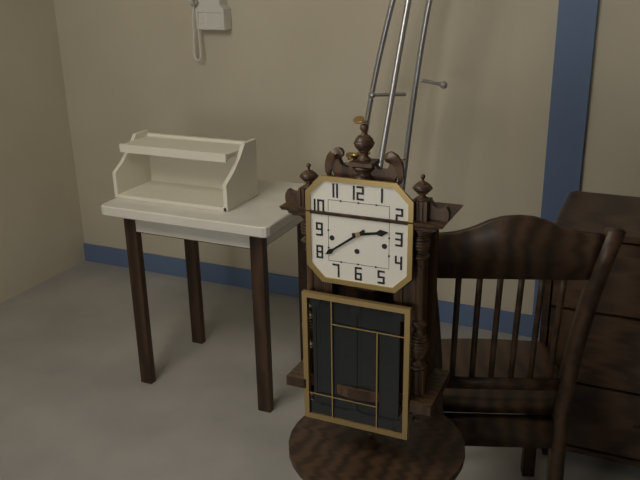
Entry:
2 h 39 min
